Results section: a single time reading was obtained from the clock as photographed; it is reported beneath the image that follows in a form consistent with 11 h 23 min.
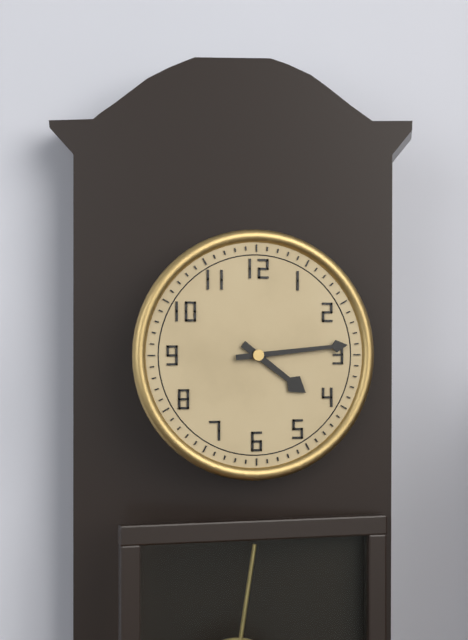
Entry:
4 h 14 min
